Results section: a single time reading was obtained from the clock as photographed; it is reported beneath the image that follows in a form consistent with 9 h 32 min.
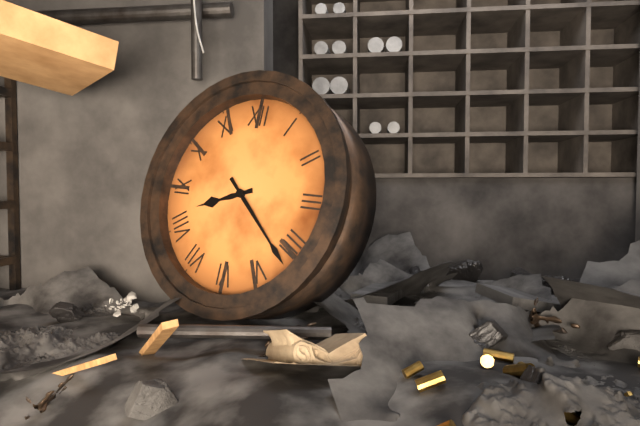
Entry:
8 h 22 min
